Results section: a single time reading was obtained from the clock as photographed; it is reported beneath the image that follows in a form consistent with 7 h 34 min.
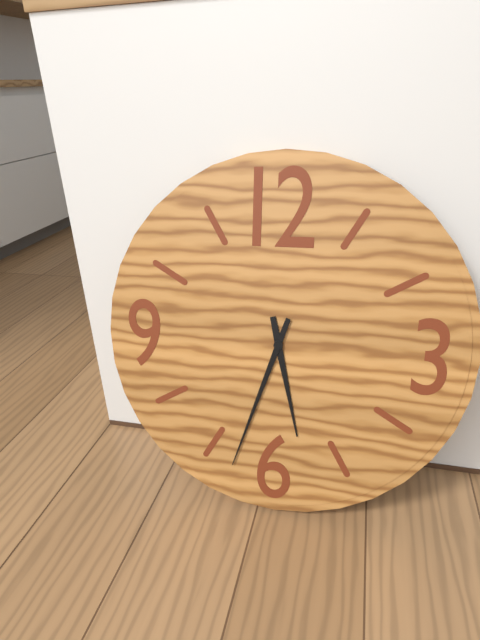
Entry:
5 h 33 min
